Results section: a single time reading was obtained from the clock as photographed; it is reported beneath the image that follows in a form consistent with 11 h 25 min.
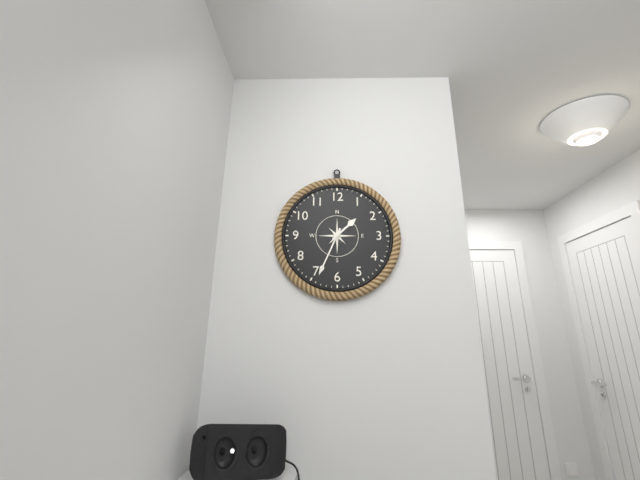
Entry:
1 h 34 min
